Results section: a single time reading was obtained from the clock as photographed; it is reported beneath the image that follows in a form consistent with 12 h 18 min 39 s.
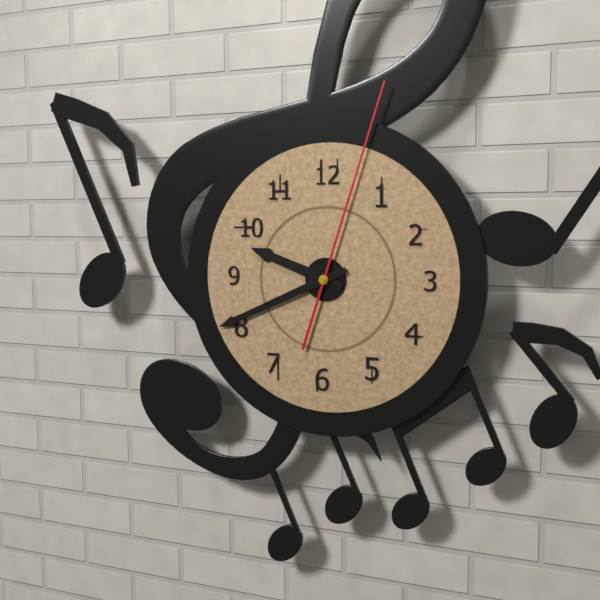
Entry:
9 h 41 min 03 s
